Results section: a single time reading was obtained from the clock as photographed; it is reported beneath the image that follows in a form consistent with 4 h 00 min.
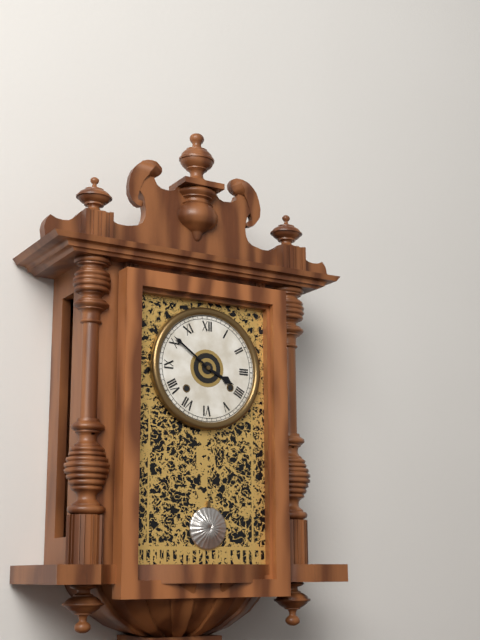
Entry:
3 h 51 min
